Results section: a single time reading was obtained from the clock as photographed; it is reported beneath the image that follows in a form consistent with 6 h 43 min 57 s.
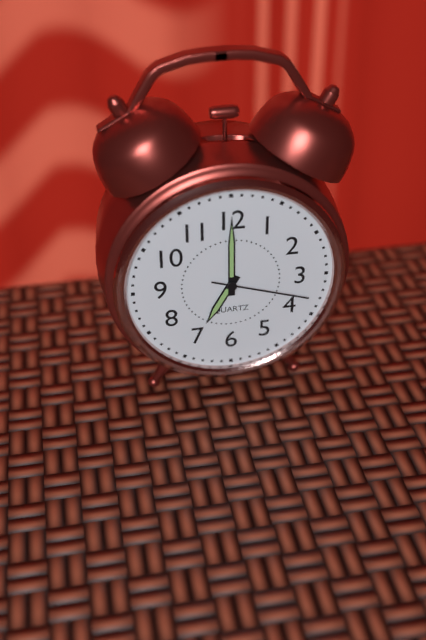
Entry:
7 h 00 min 18 s
